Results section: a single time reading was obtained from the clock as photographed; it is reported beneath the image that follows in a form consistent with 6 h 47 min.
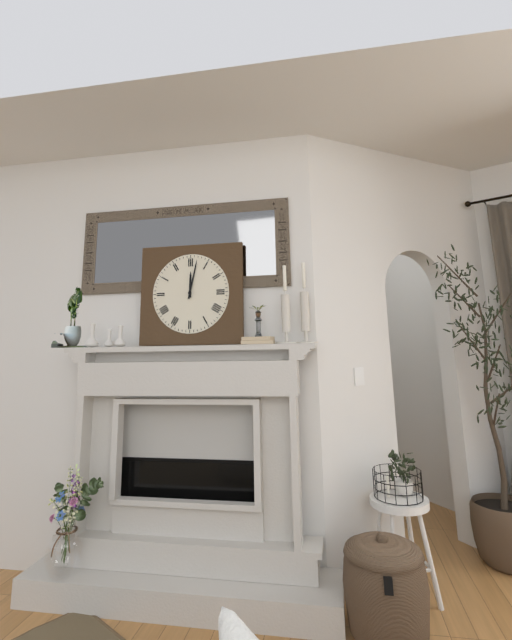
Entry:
12 h 02 min
